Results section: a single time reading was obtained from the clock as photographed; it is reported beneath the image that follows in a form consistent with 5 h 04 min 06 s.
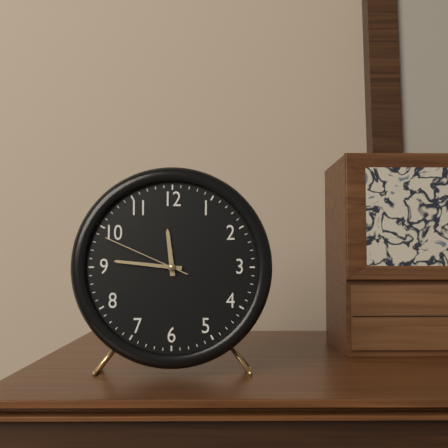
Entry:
11 h 46 min 49 s
